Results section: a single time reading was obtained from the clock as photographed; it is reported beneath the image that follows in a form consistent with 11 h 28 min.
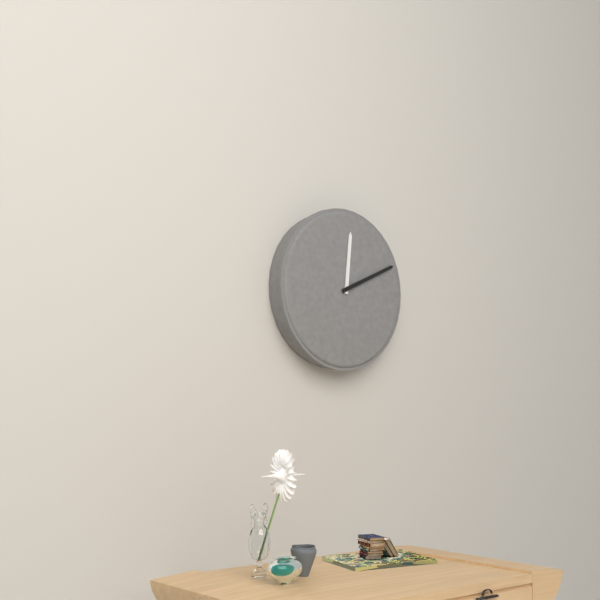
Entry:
12 h 11 min
